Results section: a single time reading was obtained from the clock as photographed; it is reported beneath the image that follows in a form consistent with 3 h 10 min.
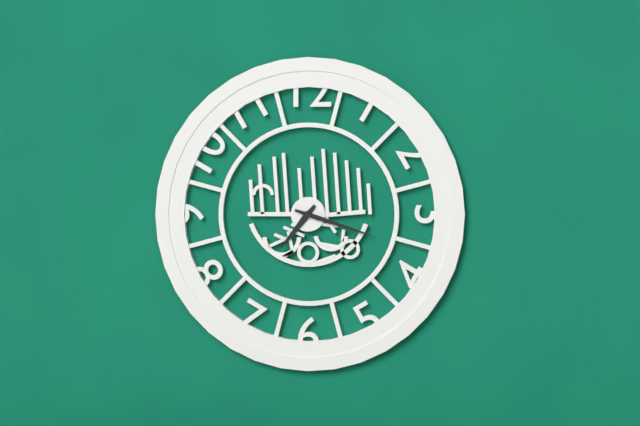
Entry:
7 h 18 min
